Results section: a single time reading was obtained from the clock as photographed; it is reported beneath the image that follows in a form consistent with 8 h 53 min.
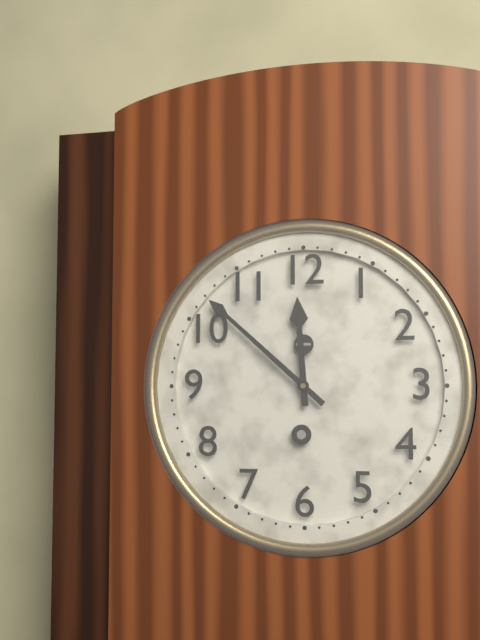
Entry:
11 h 52 min
